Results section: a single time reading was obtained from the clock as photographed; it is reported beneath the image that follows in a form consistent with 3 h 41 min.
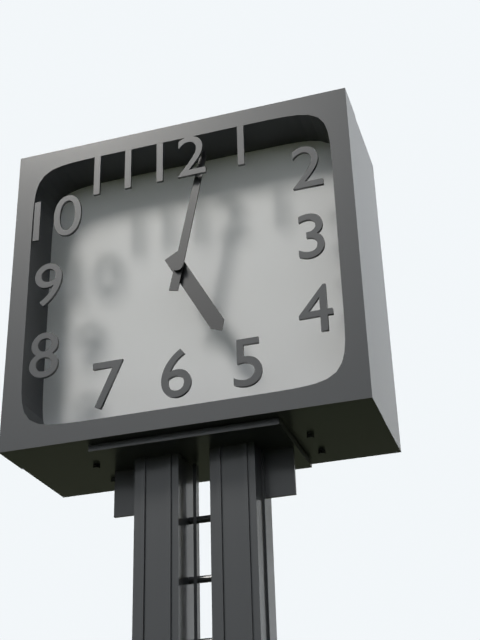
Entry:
5 h 02 min
